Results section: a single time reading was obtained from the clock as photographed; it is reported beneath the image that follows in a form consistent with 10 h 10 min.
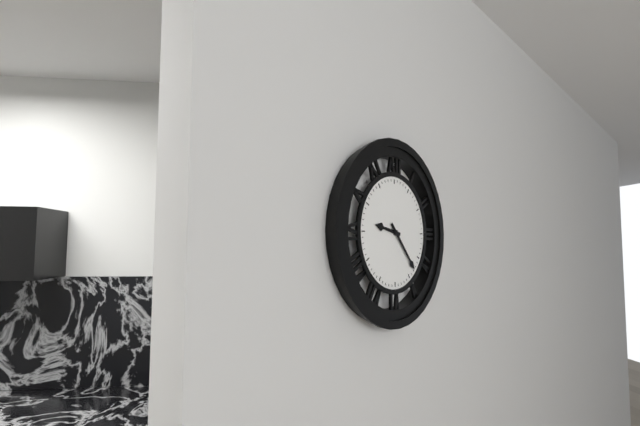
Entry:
9 h 23 min
